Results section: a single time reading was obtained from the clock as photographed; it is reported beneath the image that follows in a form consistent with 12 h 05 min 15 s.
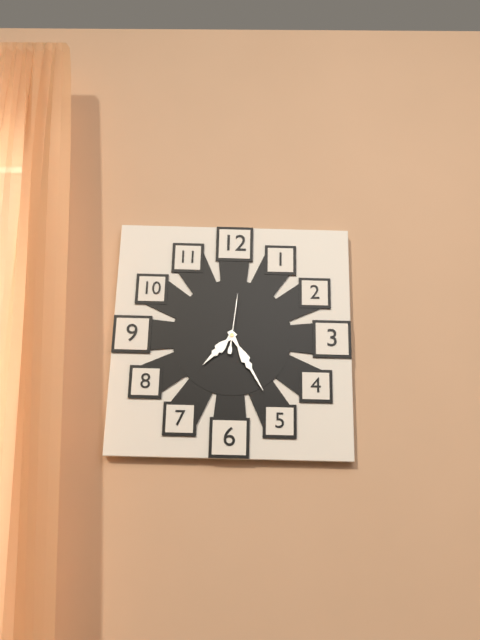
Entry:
7 h 25 min 01 s
